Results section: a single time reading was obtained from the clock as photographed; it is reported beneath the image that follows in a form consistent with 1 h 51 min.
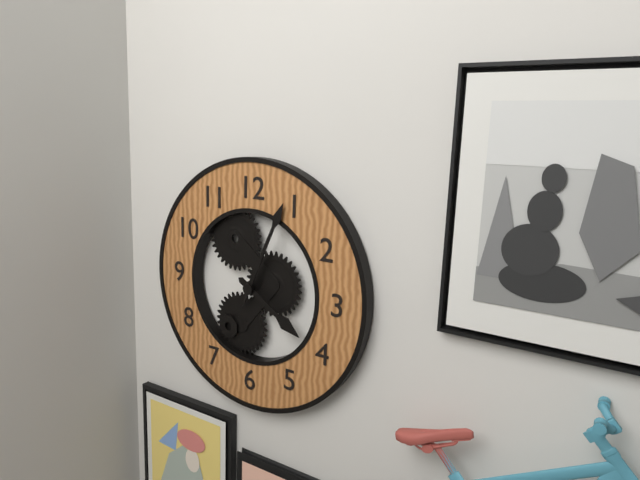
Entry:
4 h 04 min
